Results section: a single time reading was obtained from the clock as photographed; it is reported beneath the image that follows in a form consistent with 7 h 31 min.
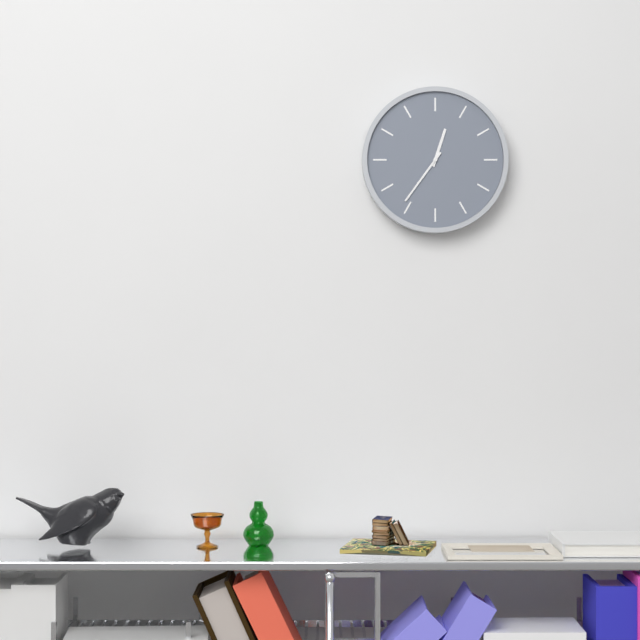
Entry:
12 h 36 min
